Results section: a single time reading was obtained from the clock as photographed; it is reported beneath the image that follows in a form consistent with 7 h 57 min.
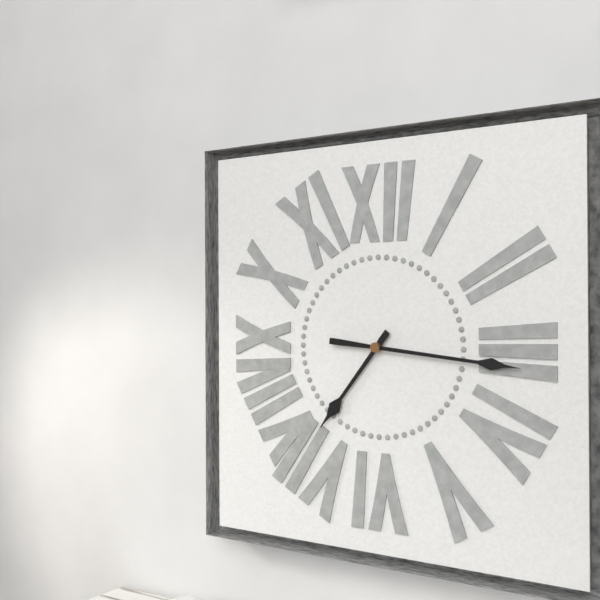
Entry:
7 h 16 min
